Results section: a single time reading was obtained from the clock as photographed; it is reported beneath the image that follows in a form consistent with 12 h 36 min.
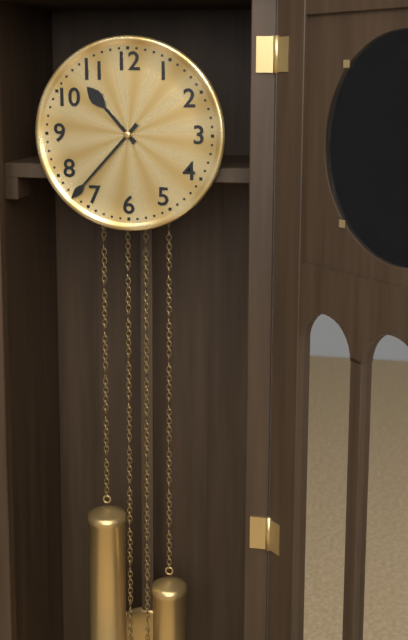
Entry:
10 h 37 min
